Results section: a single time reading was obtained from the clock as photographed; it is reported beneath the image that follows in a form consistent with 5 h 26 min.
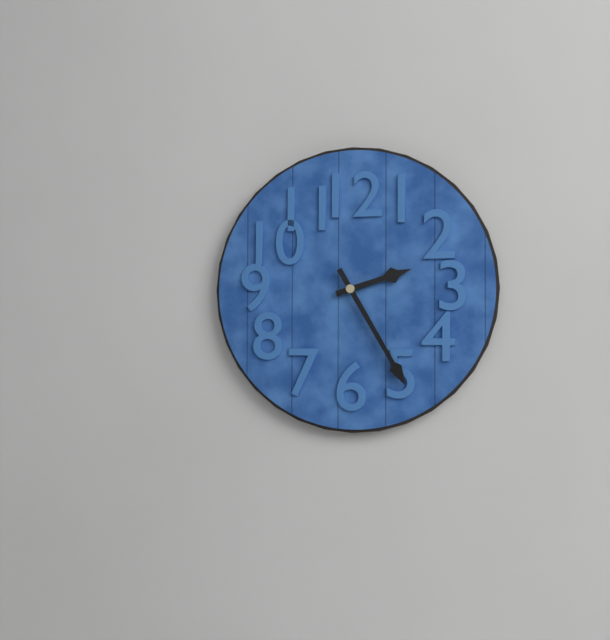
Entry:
2 h 25 min
